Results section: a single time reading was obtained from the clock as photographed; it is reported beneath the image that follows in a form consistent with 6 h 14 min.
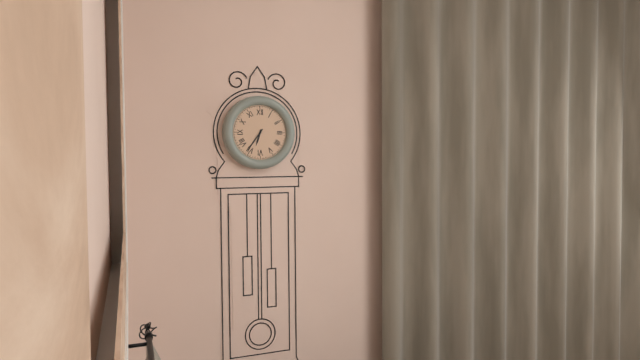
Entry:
6 h 36 min
